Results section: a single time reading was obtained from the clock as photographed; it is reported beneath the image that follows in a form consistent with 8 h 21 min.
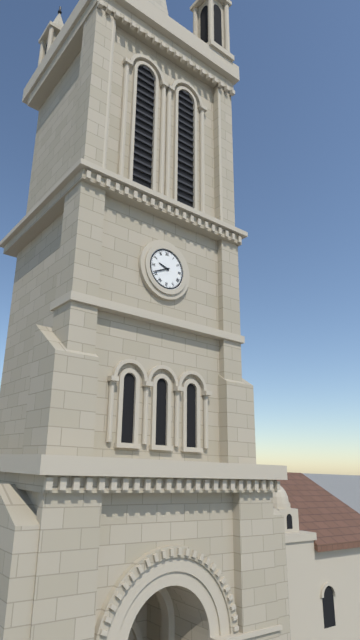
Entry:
9 h 41 min
